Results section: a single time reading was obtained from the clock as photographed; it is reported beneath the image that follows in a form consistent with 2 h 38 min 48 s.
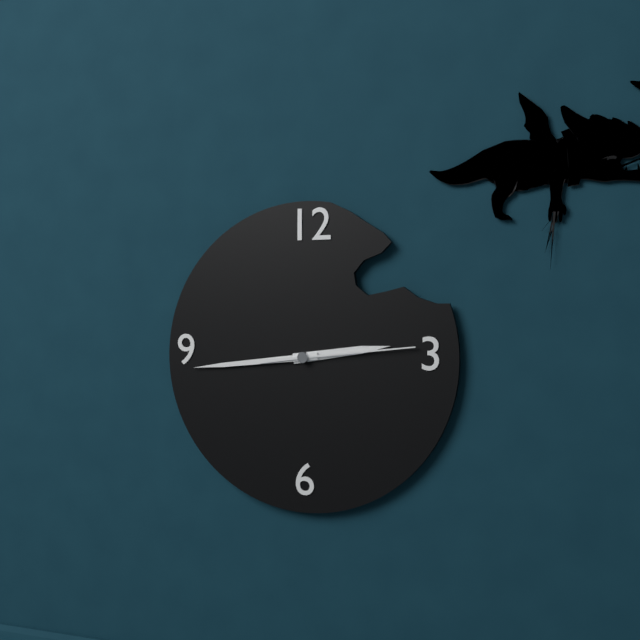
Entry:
2 h 44 min 14 s
